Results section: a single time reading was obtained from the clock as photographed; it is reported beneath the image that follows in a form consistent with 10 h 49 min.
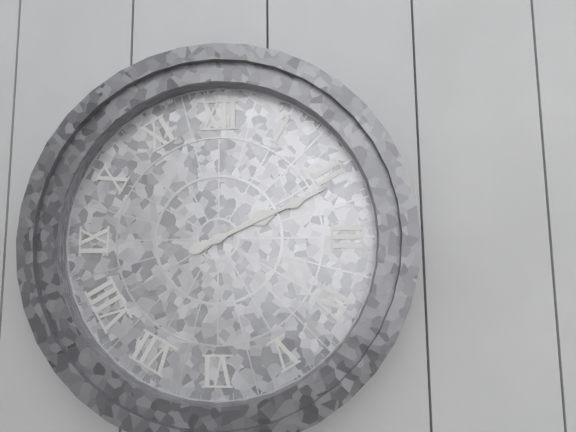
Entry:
2 h 11 min
